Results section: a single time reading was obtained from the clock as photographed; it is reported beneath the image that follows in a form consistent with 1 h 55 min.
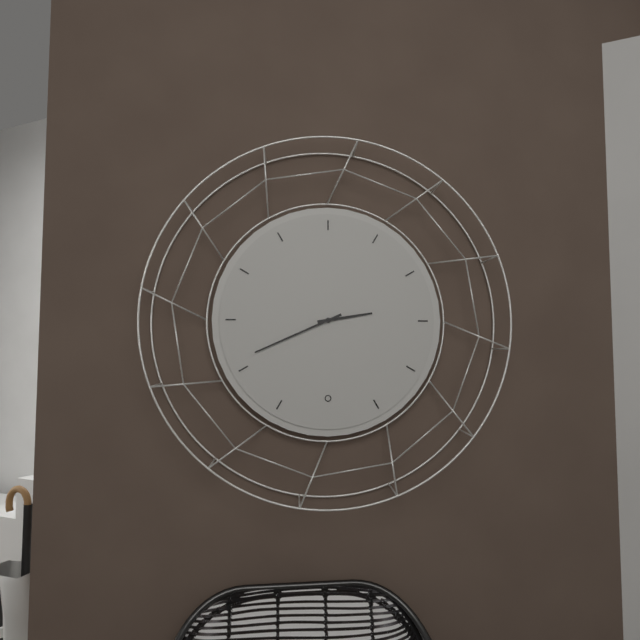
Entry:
2 h 41 min
